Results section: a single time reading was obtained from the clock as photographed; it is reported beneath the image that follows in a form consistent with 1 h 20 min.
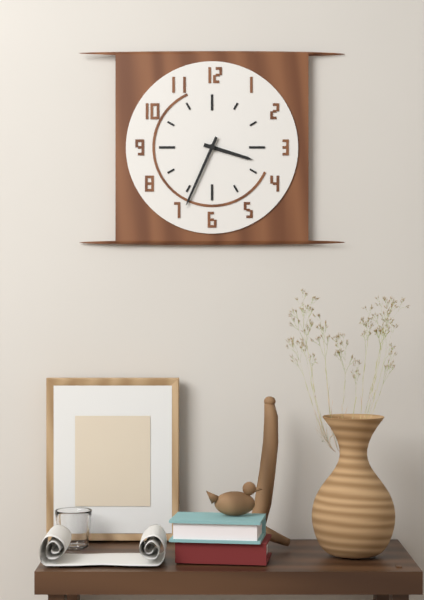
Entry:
3 h 34 min
